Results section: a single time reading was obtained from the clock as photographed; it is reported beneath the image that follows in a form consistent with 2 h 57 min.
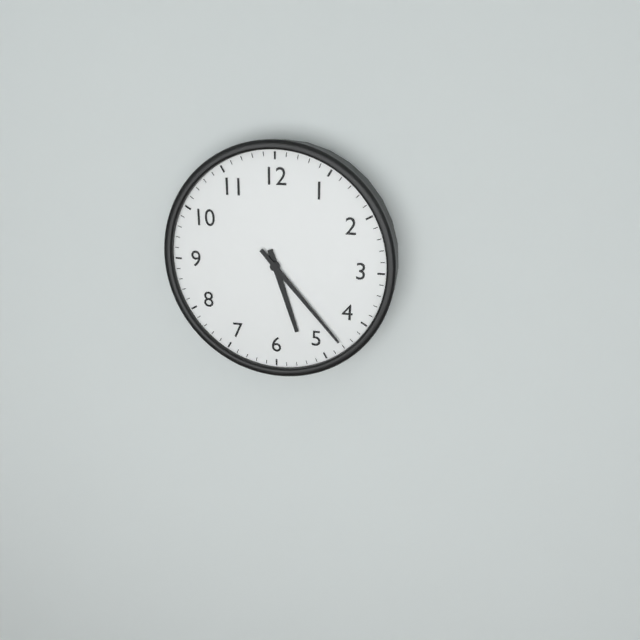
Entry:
5 h 23 min
